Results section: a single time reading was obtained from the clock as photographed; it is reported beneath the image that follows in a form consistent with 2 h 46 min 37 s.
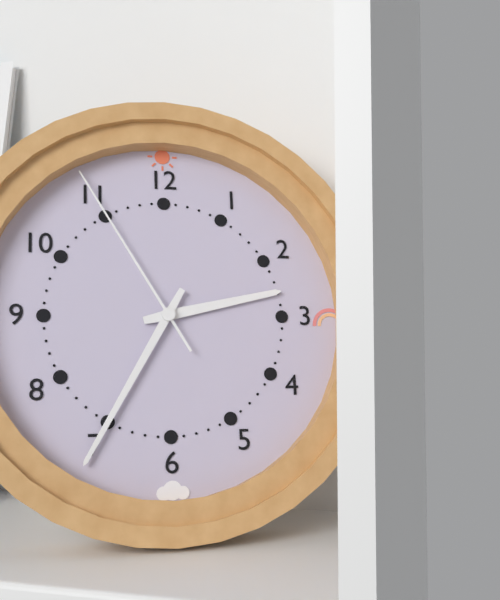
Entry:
2 h 35 min 55 s
